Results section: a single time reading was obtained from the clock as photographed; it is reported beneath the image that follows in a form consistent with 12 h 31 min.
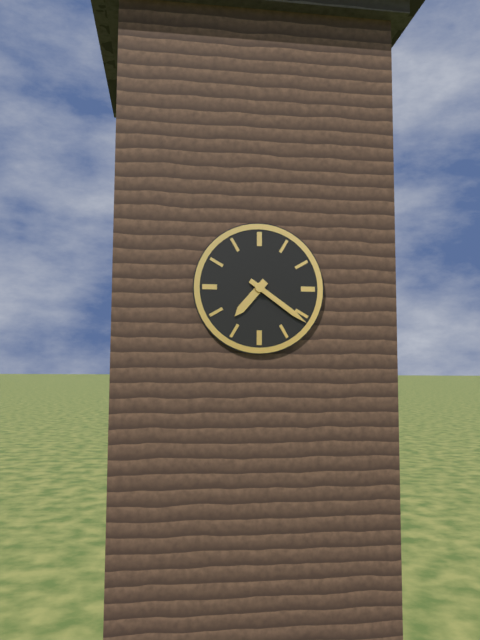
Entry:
7 h 21 min
